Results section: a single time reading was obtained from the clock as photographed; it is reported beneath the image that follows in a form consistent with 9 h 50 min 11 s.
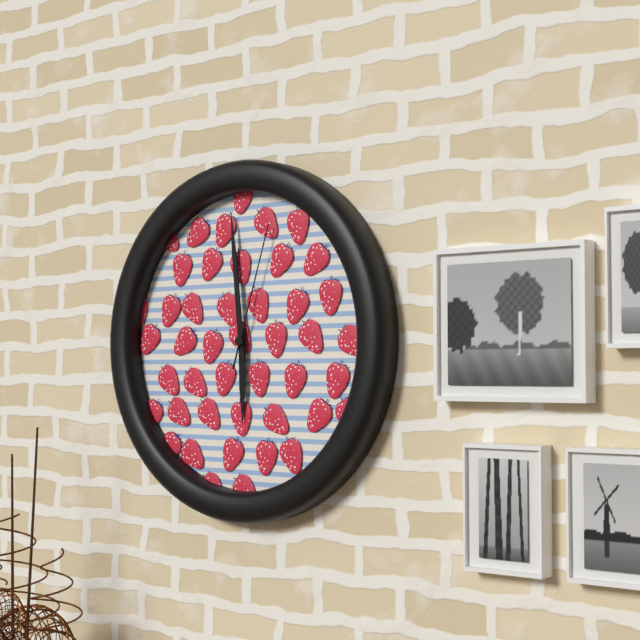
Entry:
5 h 59 min 03 s
